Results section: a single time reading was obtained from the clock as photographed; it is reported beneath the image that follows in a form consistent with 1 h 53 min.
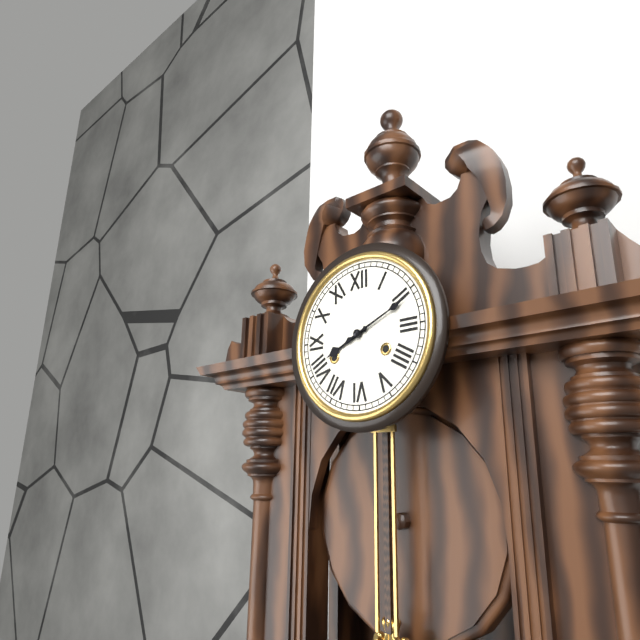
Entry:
8 h 11 min
